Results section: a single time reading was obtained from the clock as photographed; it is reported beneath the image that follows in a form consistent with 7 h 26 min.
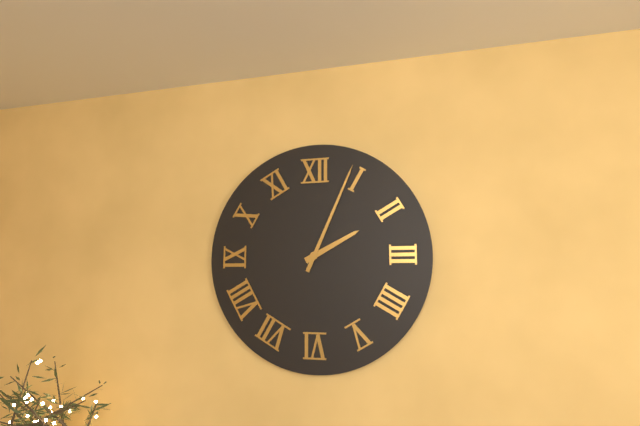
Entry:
2 h 04 min
